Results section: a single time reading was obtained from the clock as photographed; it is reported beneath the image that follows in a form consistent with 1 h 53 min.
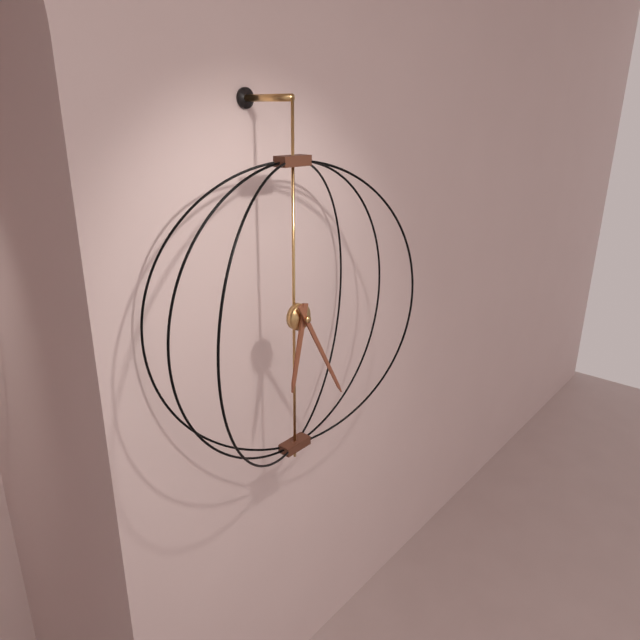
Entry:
6 h 25 min
